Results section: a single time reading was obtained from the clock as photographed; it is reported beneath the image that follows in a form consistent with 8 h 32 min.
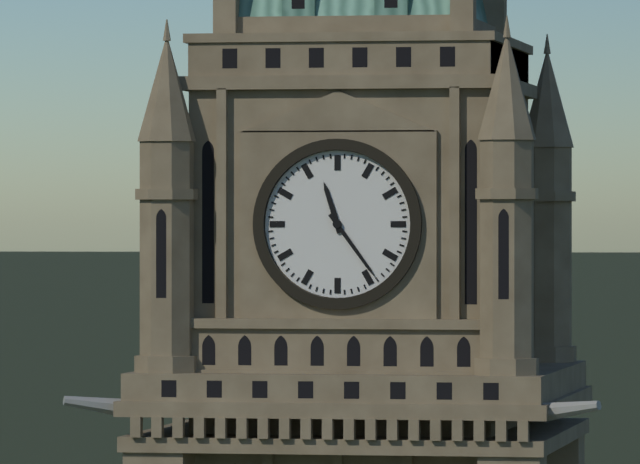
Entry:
11 h 24 min
